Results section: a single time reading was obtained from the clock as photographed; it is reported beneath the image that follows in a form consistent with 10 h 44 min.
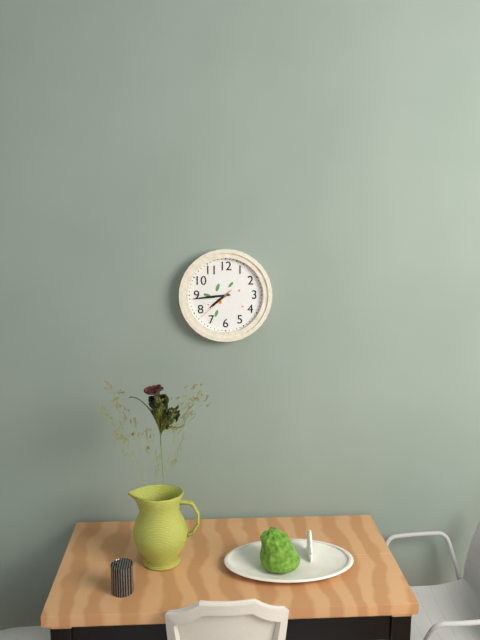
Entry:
7 h 44 min
